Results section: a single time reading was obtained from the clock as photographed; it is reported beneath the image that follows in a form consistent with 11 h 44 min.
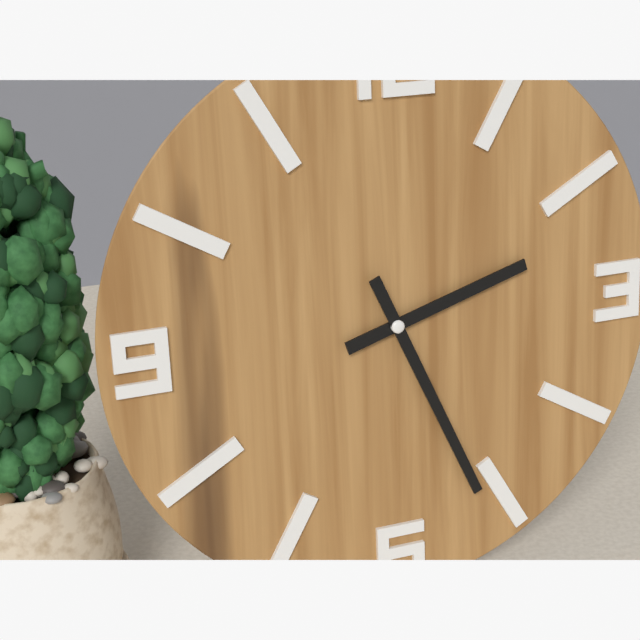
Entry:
2 h 26 min
